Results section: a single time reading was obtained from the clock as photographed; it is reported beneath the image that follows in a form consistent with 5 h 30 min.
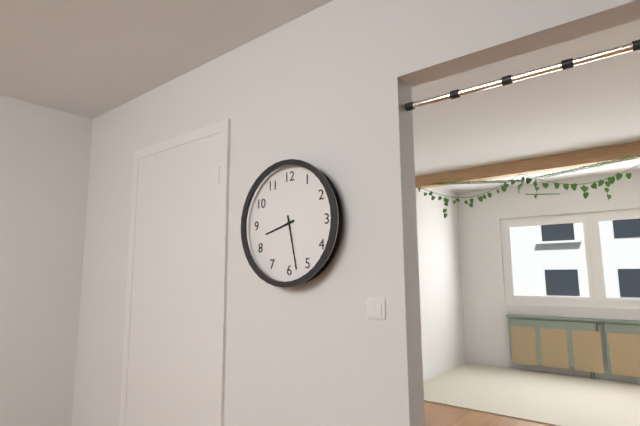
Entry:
8 h 28 min
